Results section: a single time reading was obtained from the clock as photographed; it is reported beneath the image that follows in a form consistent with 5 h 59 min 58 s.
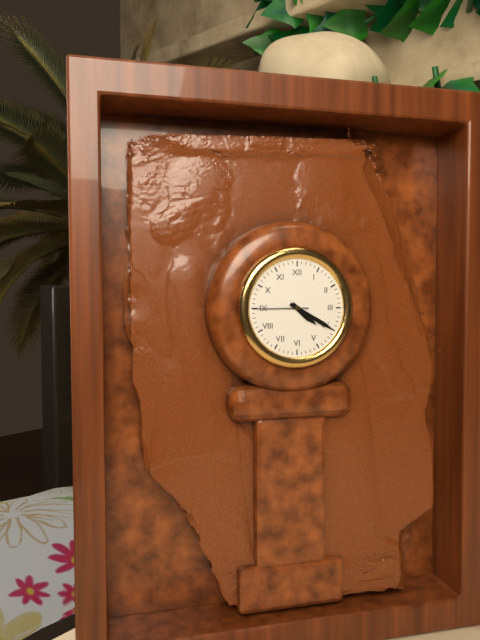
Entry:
4 h 20 min 45 s
